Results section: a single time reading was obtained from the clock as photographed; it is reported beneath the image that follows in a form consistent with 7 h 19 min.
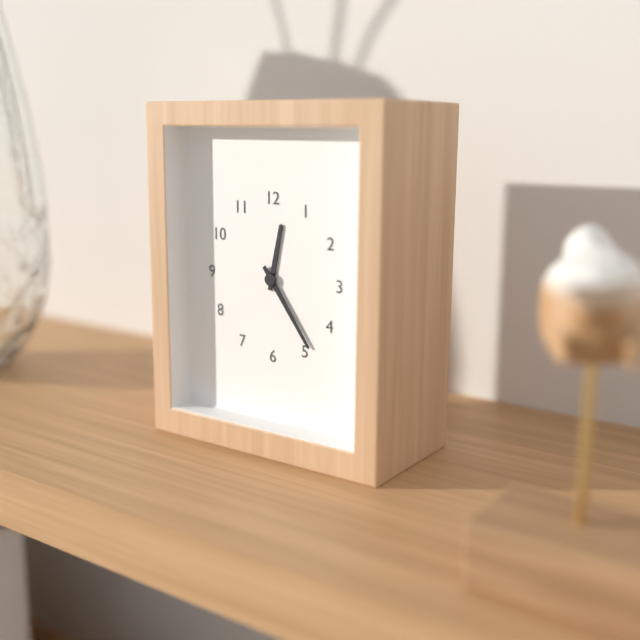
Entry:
12 h 24 min
